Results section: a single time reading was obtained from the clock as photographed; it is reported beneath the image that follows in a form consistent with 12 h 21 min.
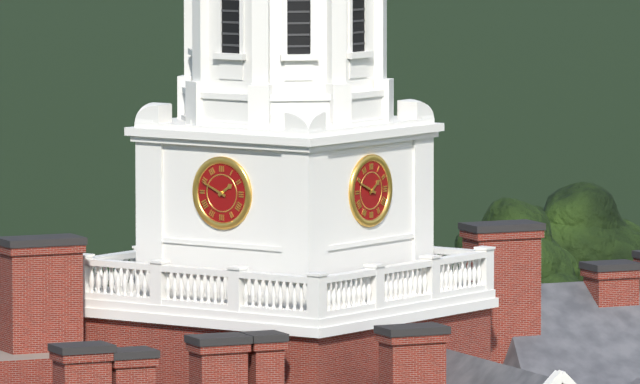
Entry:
1 h 49 min
